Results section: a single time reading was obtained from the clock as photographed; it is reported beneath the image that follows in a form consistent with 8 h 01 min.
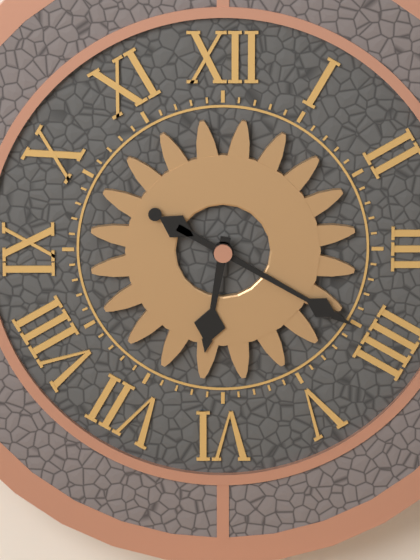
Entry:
6 h 20 min
